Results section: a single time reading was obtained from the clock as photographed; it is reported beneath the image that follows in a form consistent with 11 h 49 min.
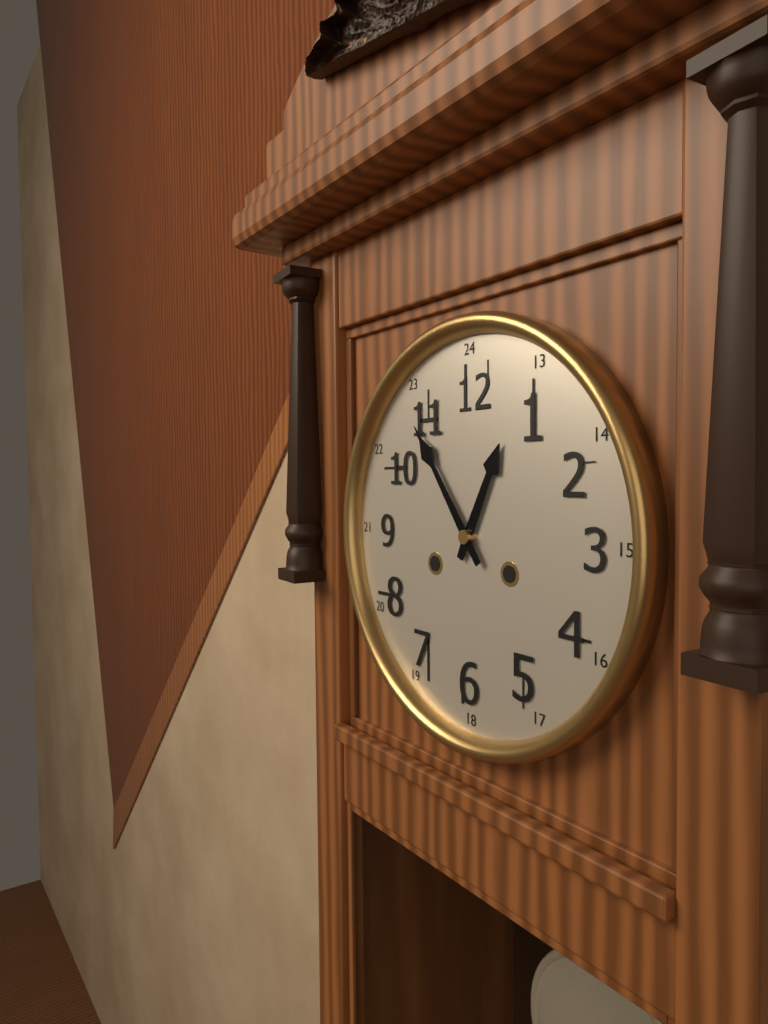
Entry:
12 h 54 min
